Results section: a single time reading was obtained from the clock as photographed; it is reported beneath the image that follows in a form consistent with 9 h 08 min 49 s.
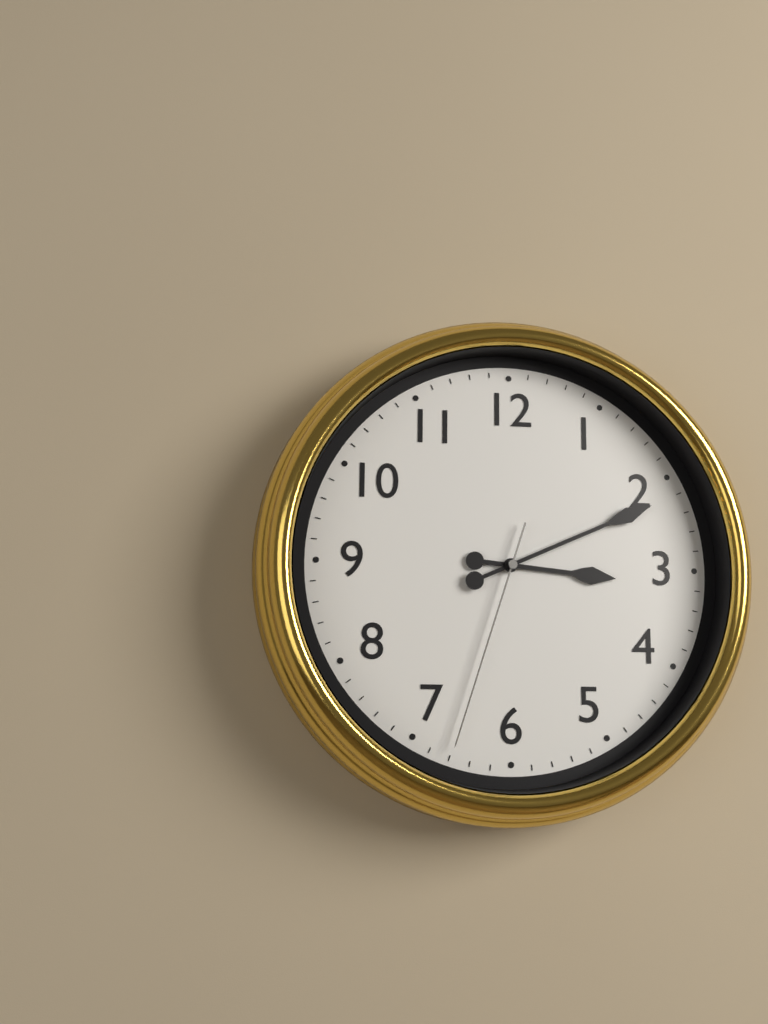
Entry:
3 h 11 min 33 s
